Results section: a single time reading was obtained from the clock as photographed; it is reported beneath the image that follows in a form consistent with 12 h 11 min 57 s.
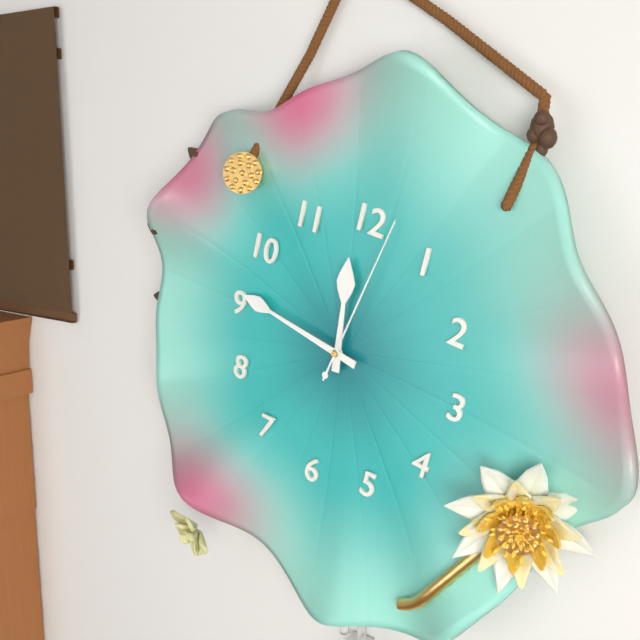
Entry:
11 h 46 min 02 s
